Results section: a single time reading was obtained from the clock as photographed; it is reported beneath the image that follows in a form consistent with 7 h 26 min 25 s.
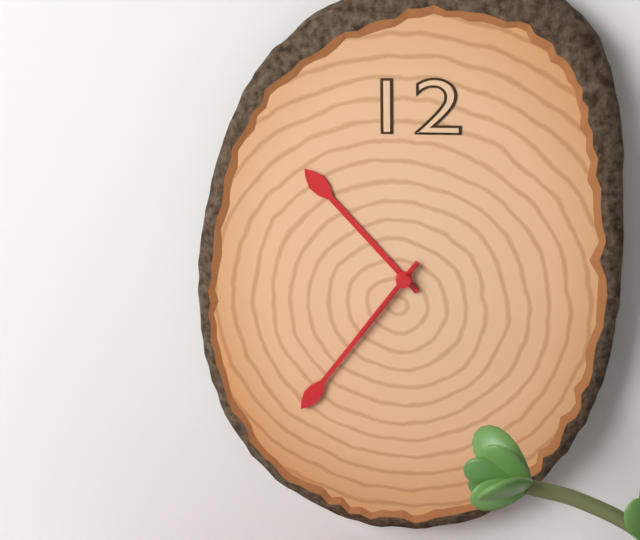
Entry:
10 h 36 min 36 s
